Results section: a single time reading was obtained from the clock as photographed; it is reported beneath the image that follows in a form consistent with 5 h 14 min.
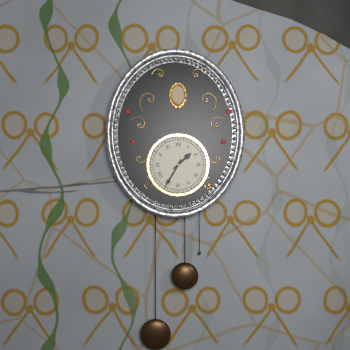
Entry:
1 h 35 min
